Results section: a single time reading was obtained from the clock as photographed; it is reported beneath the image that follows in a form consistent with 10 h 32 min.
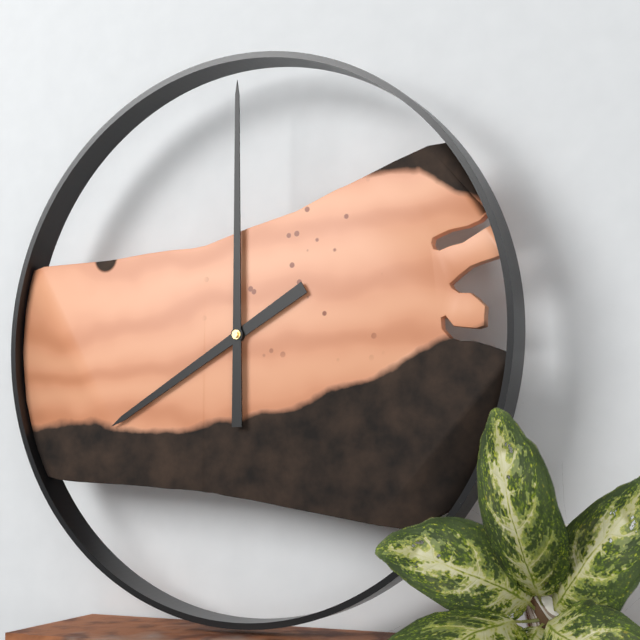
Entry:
8 h 00 min
